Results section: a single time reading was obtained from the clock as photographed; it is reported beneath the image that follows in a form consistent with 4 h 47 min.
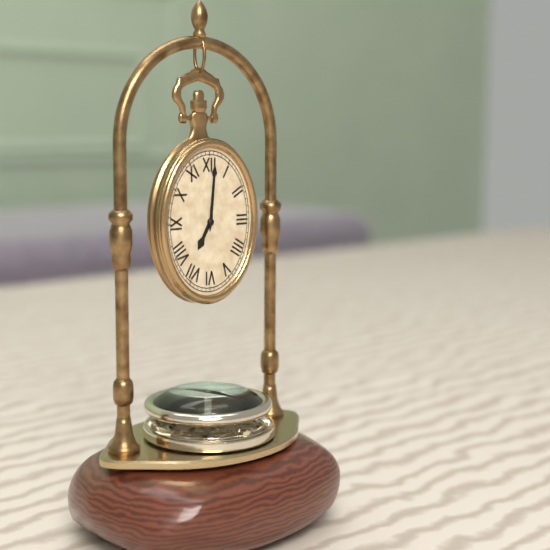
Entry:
7 h 01 min
